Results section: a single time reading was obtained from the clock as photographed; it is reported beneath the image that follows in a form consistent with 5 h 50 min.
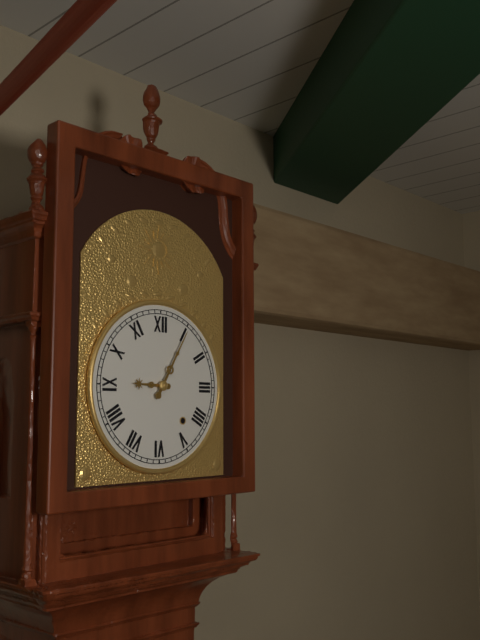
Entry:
9 h 05 min
